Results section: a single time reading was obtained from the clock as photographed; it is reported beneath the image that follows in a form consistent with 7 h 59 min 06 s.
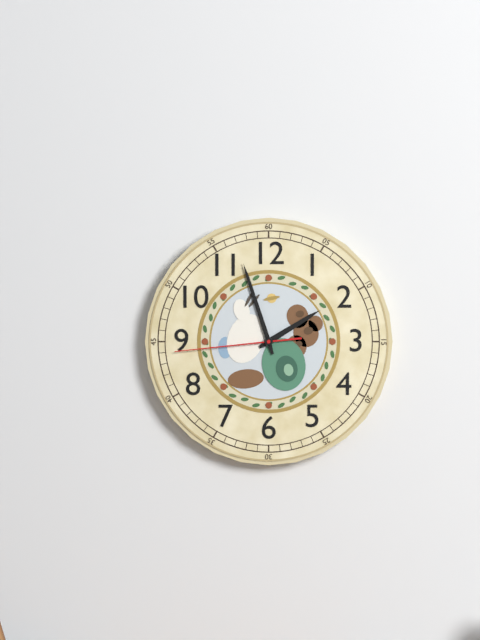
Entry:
1 h 57 min 44 s
